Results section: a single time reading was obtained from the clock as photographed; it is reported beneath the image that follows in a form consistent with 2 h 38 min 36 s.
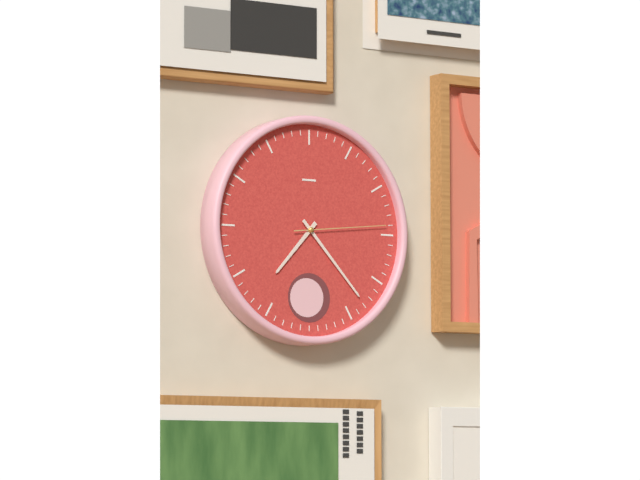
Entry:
7 h 23 min 14 s
